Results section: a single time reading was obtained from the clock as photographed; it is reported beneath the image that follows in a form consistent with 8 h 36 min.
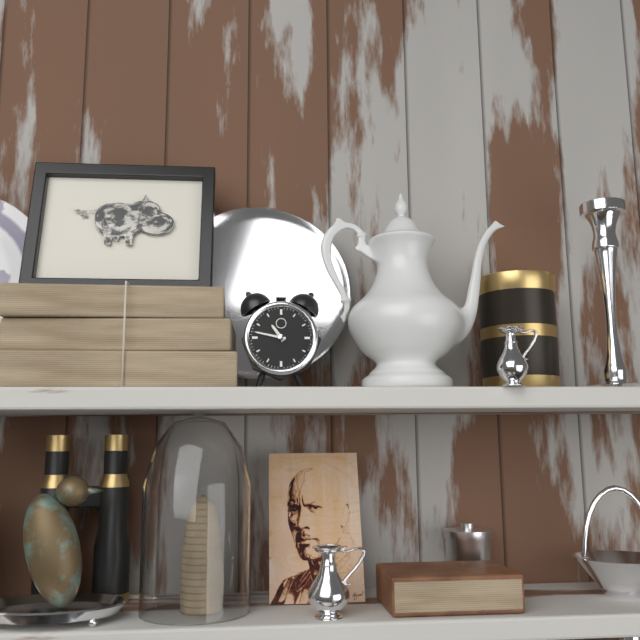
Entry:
10 h 47 min
